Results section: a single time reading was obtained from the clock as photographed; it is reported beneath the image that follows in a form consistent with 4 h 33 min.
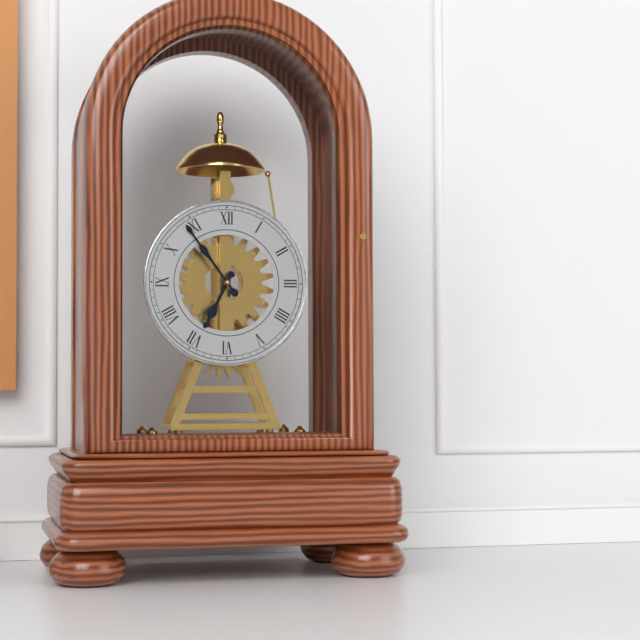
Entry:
6 h 54 min
